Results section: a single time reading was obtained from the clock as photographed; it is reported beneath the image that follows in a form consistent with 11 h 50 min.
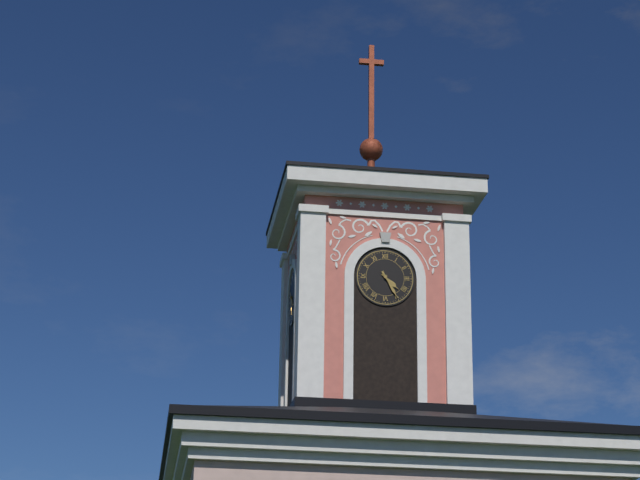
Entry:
4 h 25 min
